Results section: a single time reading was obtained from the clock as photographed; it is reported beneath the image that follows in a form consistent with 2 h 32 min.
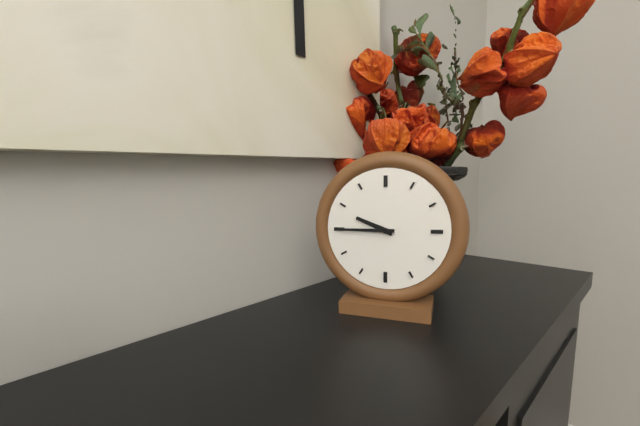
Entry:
9 h 45 min
